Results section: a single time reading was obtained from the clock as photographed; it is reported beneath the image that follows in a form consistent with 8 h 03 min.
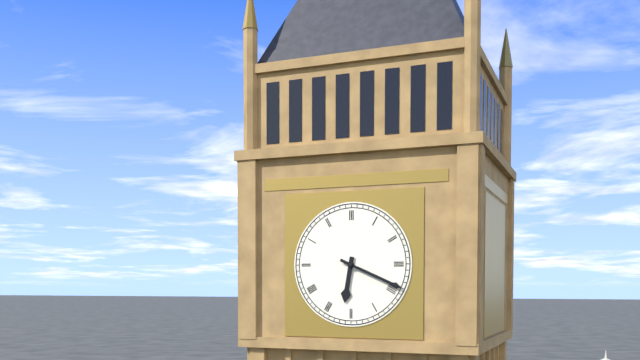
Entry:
6 h 19 min
